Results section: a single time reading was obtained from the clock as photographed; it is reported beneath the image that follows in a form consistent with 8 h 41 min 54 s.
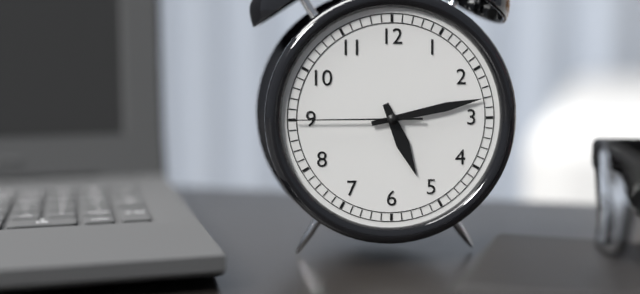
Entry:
5 h 13 min 45 s
